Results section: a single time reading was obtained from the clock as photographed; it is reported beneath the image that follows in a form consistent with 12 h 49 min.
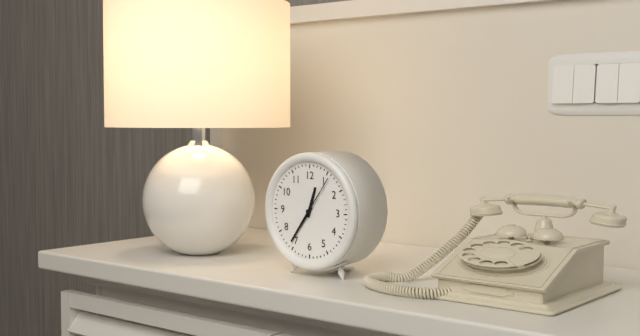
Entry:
12 h 36 min
